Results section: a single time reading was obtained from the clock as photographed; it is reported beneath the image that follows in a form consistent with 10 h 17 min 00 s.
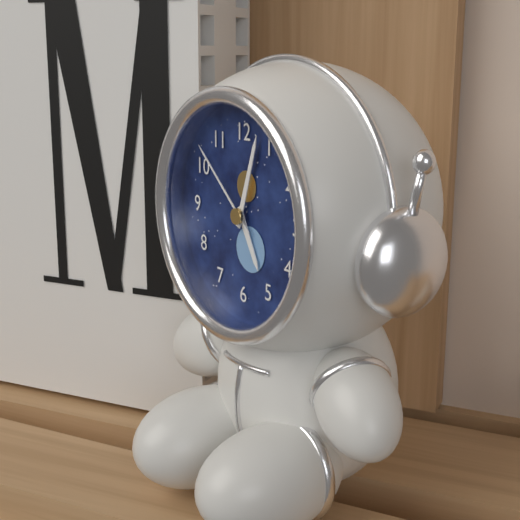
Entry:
5 h 03 min 52 s
